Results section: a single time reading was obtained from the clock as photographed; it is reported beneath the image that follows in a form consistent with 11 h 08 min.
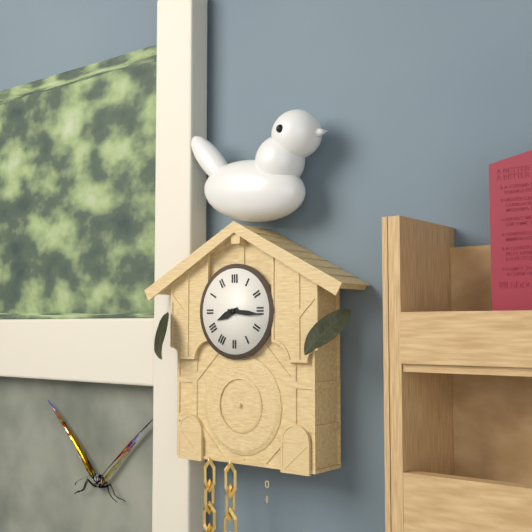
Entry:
8 h 16 min
